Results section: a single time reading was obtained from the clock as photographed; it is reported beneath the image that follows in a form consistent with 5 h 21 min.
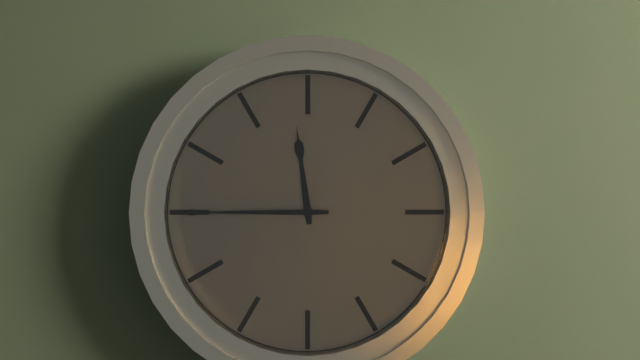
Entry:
11 h 45 min
